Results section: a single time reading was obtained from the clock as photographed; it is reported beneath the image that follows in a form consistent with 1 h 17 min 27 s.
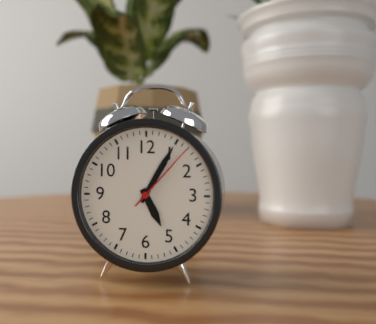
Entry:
5 h 05 min 07 s
